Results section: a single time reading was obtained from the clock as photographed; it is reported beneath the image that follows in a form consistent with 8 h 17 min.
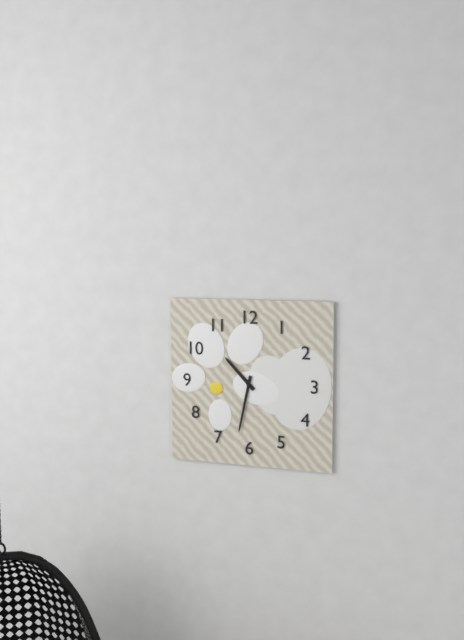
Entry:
10 h 32 min
